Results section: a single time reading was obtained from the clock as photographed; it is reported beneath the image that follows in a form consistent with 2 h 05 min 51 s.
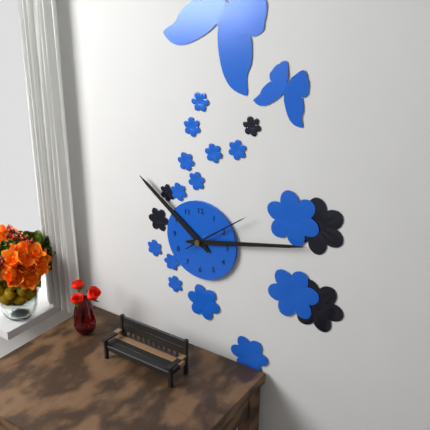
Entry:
10 h 13 min 09 s
